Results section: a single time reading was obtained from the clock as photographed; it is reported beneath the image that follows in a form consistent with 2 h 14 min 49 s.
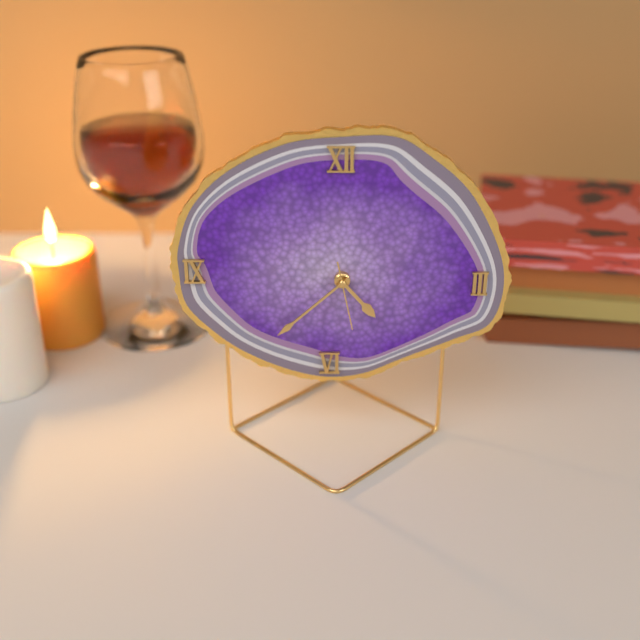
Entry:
4 h 38 min 28 s
